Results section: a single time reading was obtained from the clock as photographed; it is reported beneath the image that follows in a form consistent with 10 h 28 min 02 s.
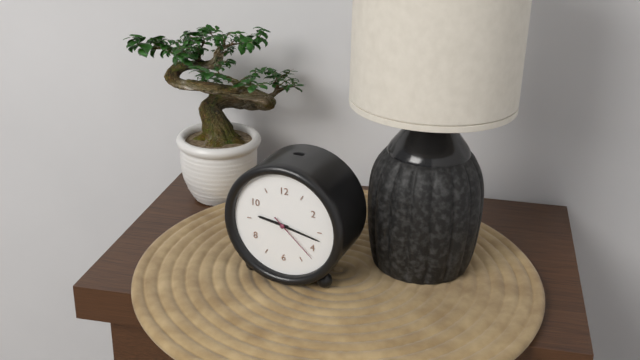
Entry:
9 h 17 min 22 s
